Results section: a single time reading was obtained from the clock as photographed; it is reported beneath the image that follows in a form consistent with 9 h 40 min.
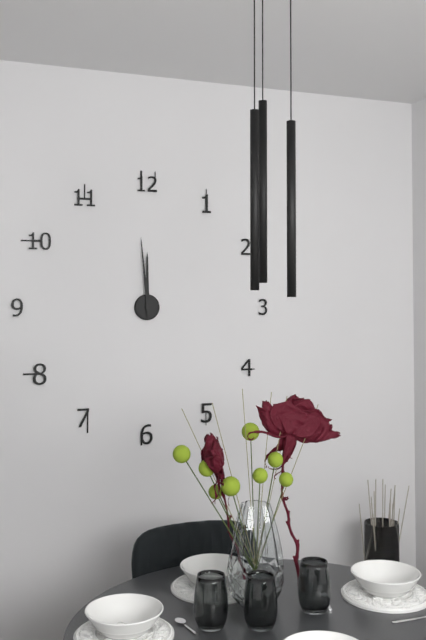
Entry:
11 h 59 min
